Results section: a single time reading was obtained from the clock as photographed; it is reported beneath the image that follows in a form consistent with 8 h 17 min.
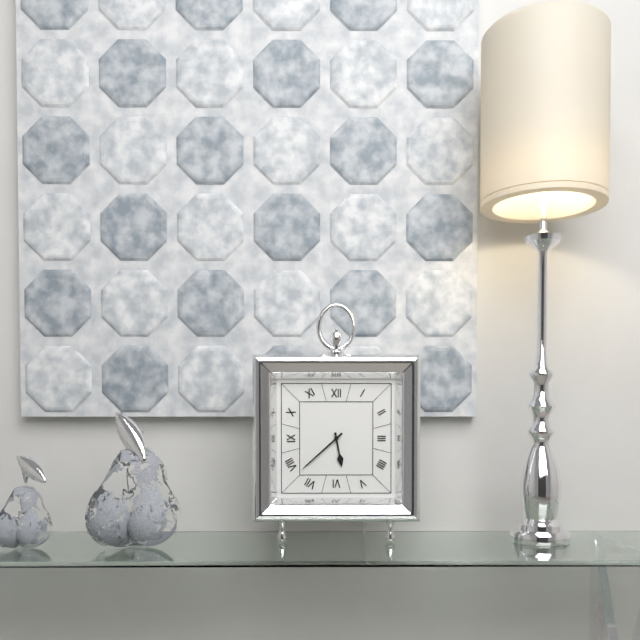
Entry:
5 h 38 min
